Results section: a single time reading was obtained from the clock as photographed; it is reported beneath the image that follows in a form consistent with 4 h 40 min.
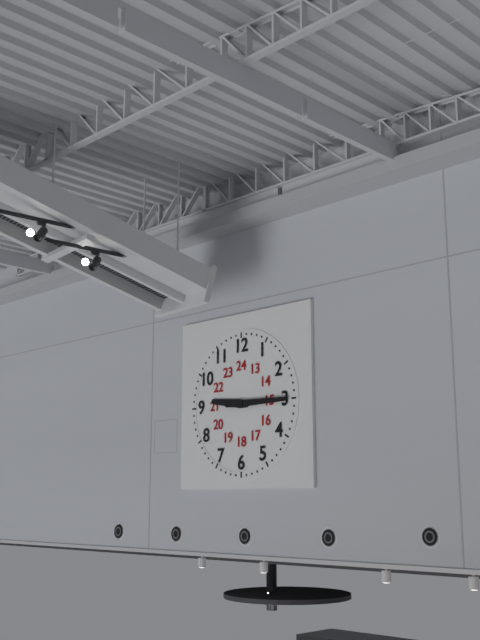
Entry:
9 h 15 min
